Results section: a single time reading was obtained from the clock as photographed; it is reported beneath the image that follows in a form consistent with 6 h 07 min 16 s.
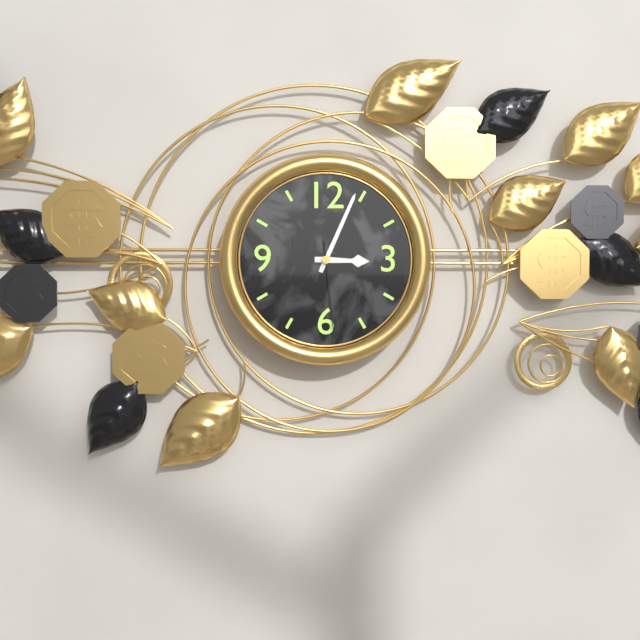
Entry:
3 h 04 min 29 s
